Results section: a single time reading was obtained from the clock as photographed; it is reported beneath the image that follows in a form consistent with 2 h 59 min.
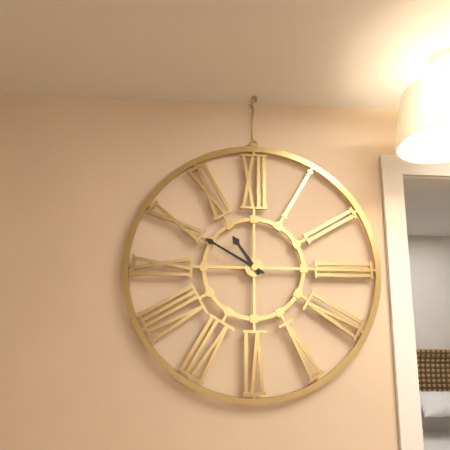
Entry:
10 h 50 min
